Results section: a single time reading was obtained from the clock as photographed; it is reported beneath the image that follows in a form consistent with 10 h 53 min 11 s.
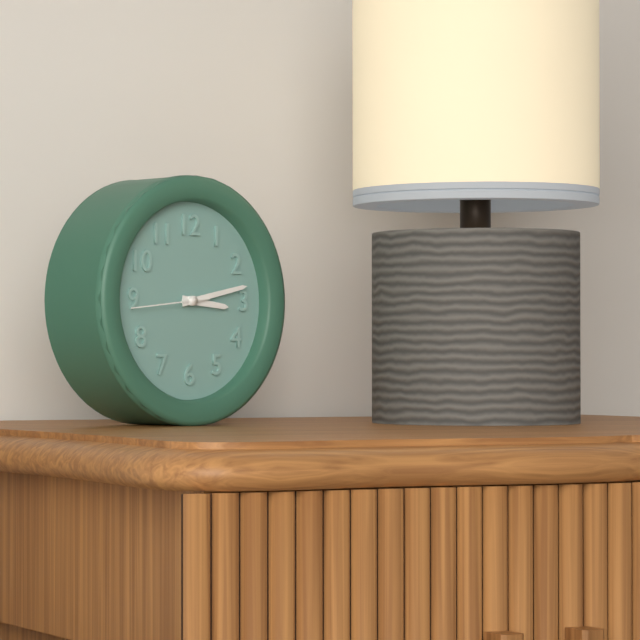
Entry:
3 h 13 min 44 s
